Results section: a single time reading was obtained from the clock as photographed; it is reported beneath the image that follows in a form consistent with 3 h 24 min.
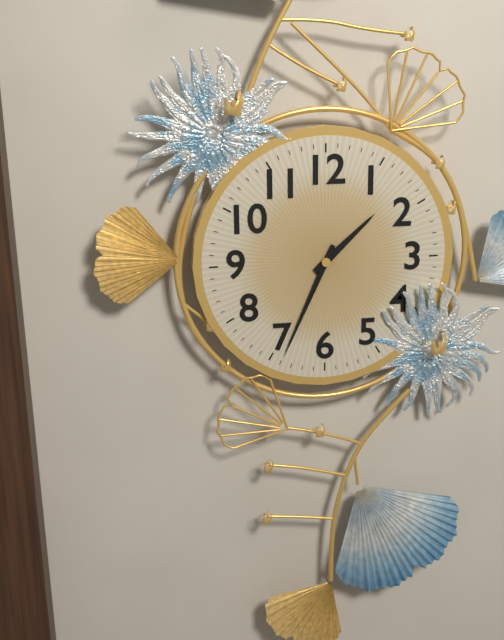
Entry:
1 h 34 min
